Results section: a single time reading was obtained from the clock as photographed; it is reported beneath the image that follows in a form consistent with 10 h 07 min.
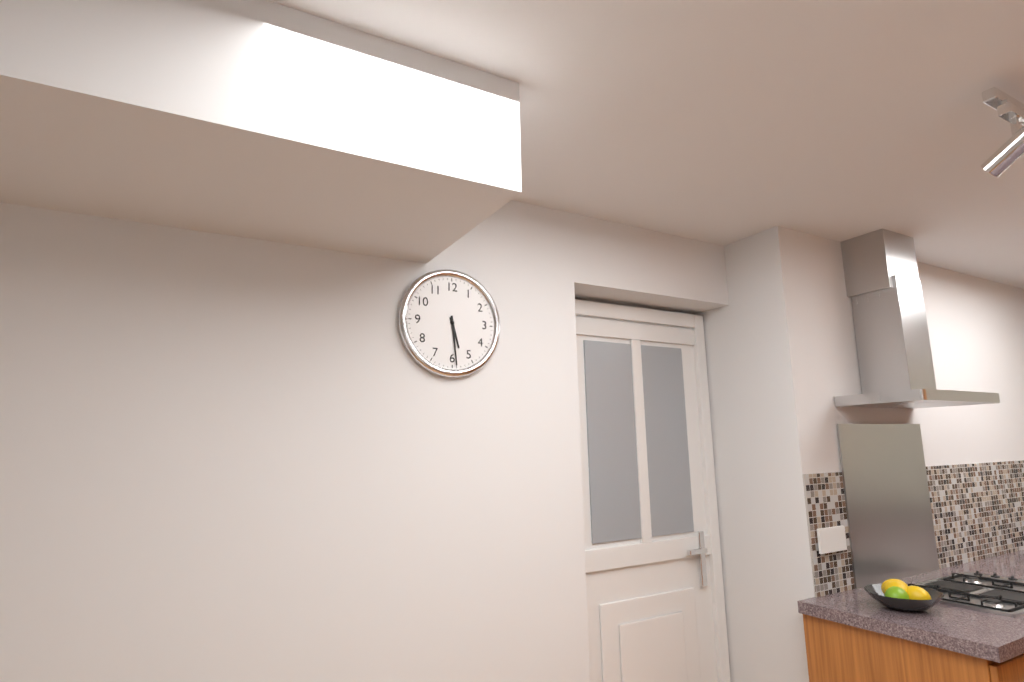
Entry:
5 h 29 min
